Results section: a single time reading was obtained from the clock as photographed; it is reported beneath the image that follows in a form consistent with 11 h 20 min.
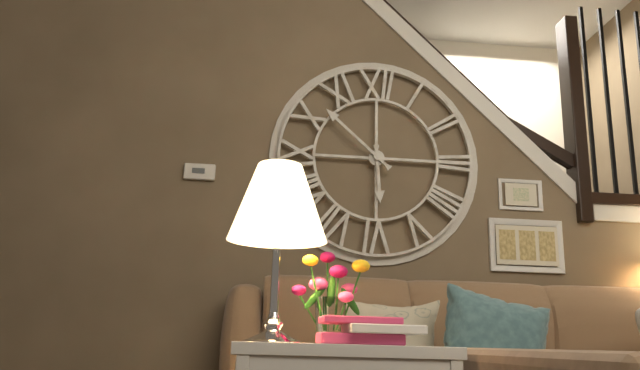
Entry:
5 h 52 min
